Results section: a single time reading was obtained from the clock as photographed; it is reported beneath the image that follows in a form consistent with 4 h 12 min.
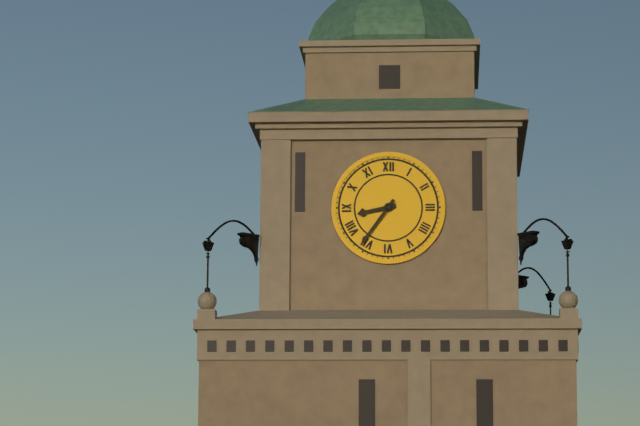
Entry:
8 h 36 min
